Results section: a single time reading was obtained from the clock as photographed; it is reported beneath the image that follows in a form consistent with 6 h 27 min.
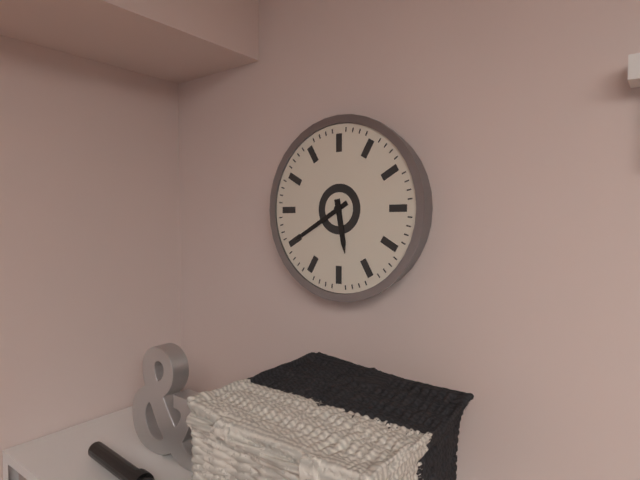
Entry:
5 h 40 min
